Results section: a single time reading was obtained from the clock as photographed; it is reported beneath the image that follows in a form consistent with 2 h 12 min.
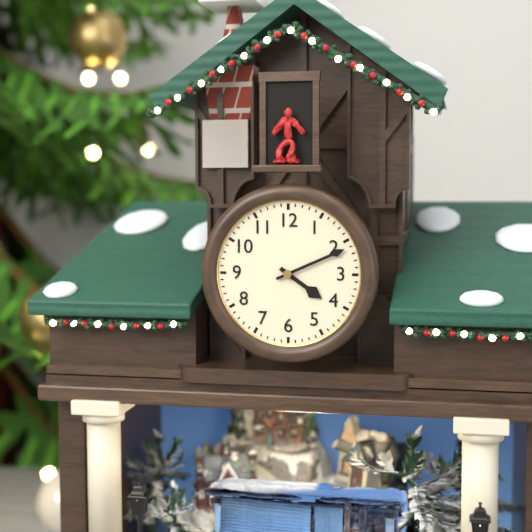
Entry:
4 h 11 min
